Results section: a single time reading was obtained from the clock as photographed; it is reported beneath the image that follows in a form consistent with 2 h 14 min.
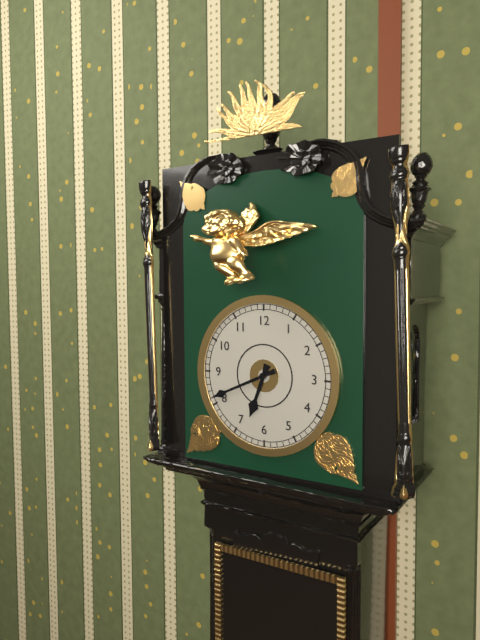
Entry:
6 h 41 min
